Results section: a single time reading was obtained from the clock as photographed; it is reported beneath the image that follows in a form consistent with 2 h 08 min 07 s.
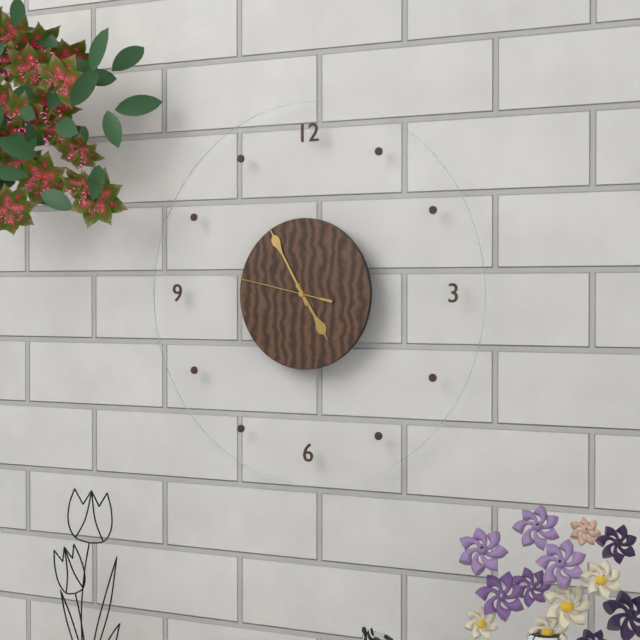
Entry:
4 h 55 min 47 s
